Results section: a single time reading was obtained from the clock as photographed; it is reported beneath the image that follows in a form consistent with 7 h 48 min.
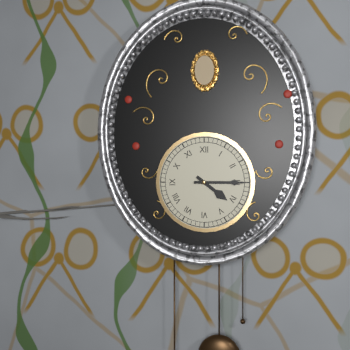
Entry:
4 h 15 min
